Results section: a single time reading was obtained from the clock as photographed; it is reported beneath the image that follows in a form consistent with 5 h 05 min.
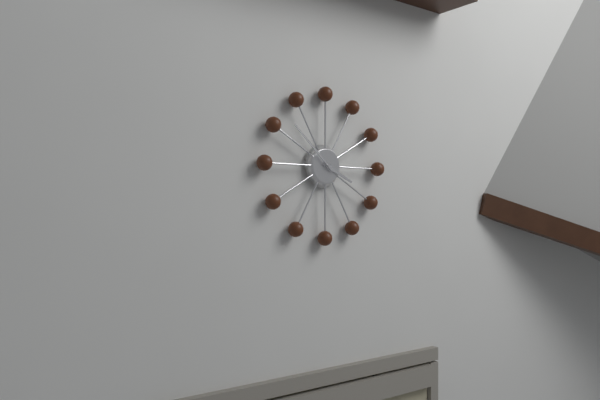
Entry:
3 h 52 min
